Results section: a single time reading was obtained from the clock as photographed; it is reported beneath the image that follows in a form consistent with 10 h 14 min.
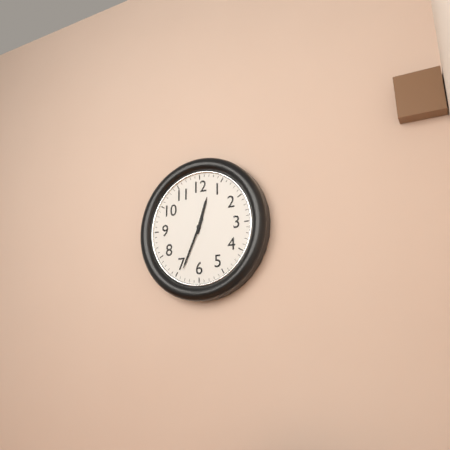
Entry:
12 h 34 min
